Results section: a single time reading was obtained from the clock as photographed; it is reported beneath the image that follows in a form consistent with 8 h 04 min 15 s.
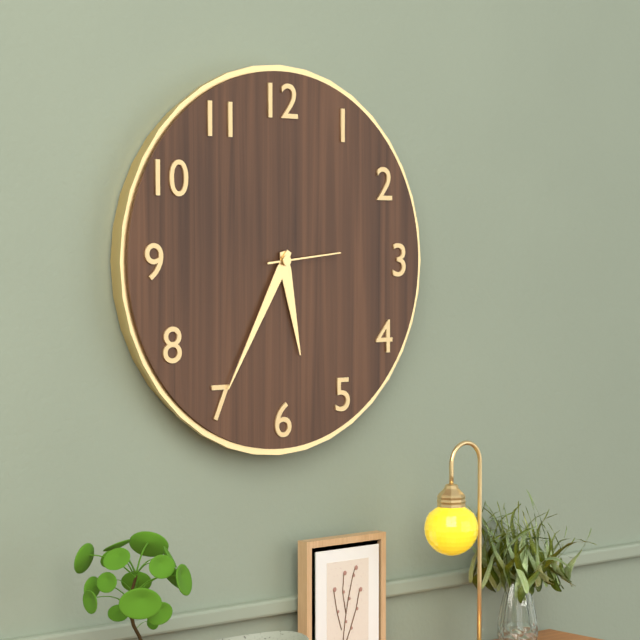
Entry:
5 h 35 min 14 s
